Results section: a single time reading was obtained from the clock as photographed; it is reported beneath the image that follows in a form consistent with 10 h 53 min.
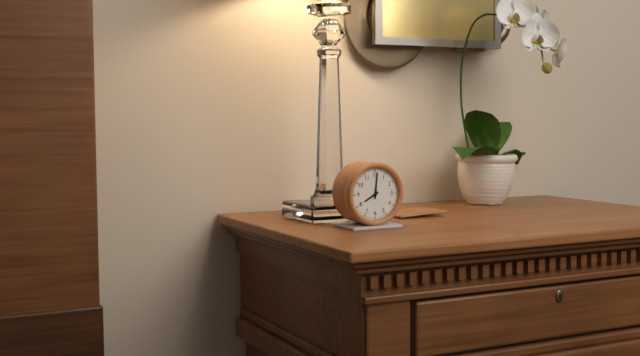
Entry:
8 h 01 min
